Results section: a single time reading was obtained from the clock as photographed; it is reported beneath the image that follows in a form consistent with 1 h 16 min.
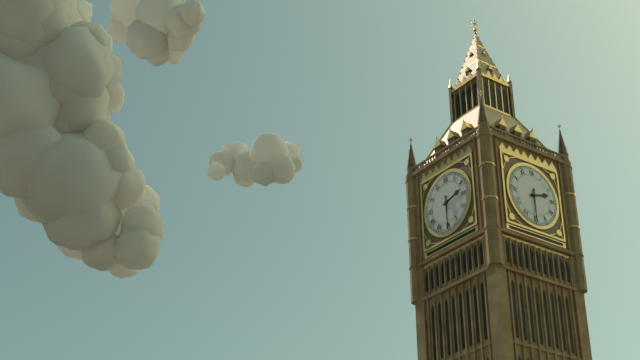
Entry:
2 h 30 min
